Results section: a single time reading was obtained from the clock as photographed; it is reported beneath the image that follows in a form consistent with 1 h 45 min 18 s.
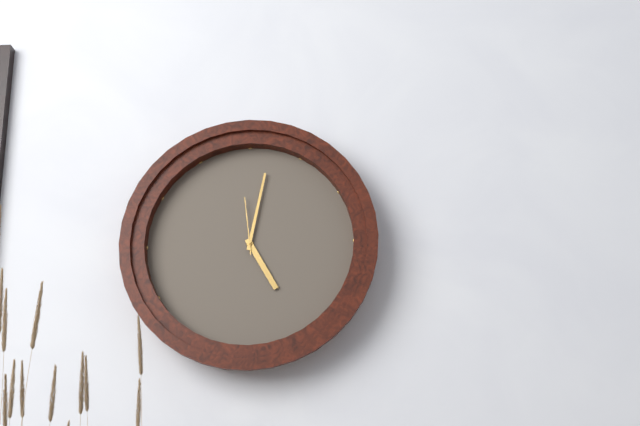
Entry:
5 h 02 min 59 s
